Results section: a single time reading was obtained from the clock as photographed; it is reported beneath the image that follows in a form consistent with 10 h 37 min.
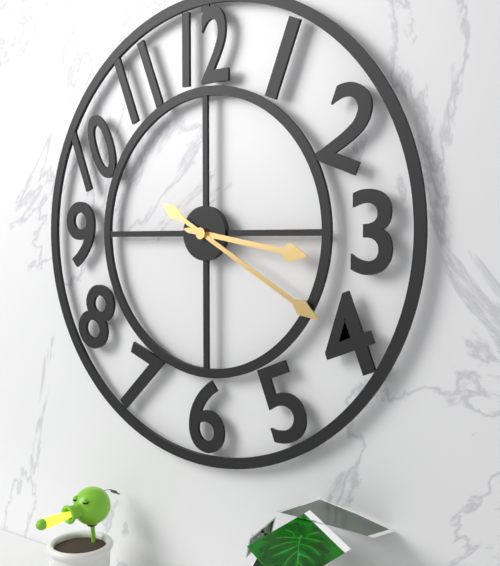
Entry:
3 h 20 min
